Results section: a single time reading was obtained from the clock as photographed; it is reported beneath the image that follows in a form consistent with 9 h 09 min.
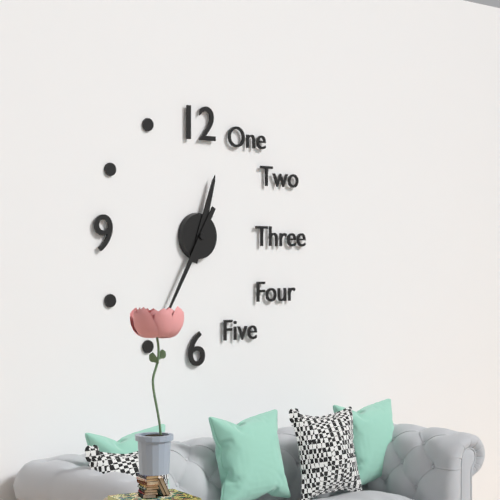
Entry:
12 h 35 min
